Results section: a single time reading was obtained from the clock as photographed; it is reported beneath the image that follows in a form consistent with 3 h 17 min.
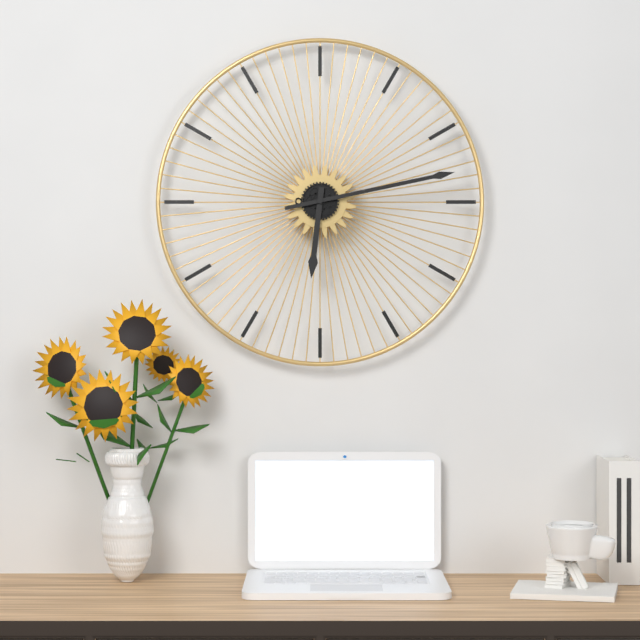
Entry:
6 h 13 min
